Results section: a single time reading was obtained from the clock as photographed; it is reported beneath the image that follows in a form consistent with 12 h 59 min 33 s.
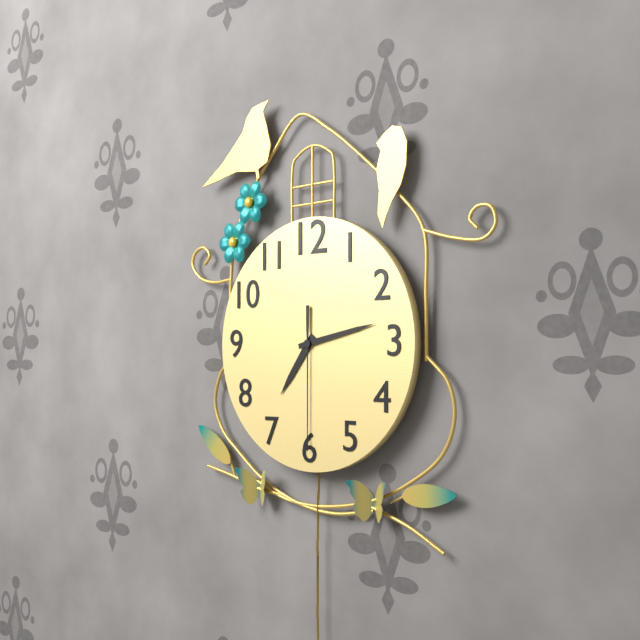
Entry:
7 h 13 min 30 s
